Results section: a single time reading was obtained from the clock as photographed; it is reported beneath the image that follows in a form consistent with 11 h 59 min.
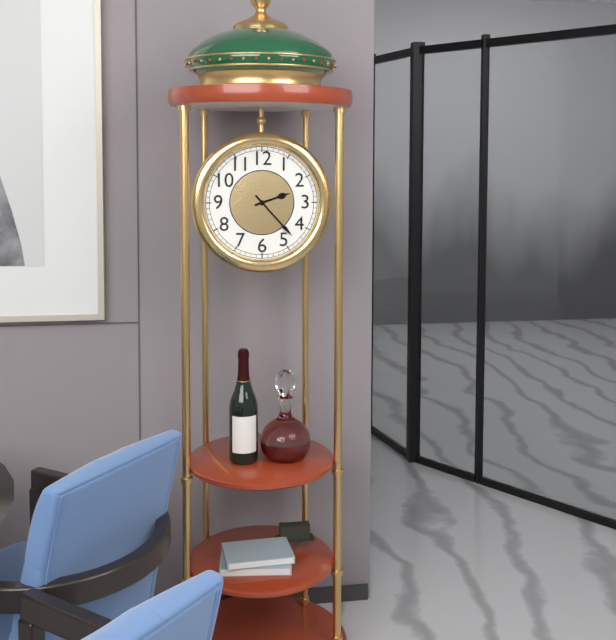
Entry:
2 h 23 min
